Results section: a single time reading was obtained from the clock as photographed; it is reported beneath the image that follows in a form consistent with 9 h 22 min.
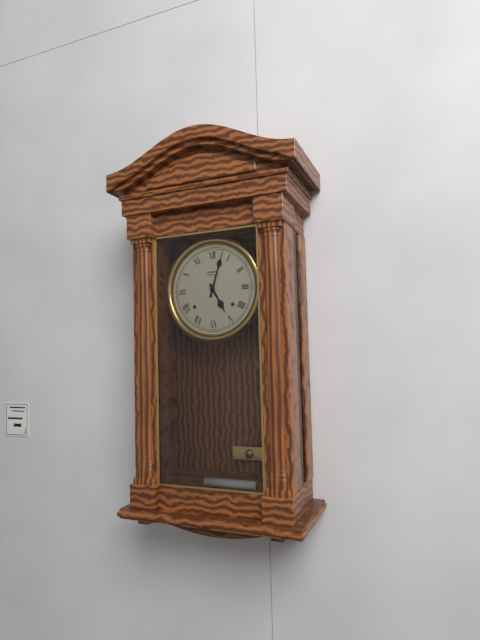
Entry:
5 h 03 min
